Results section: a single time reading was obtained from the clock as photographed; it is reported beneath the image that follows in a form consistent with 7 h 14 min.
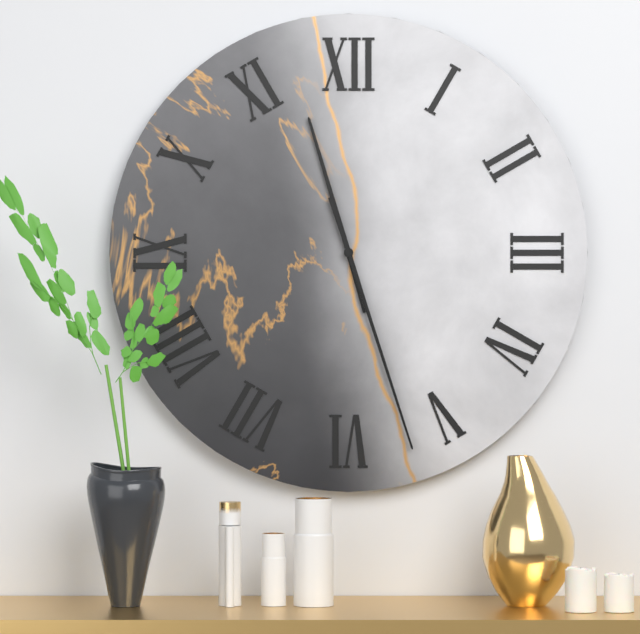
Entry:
11 h 27 min
